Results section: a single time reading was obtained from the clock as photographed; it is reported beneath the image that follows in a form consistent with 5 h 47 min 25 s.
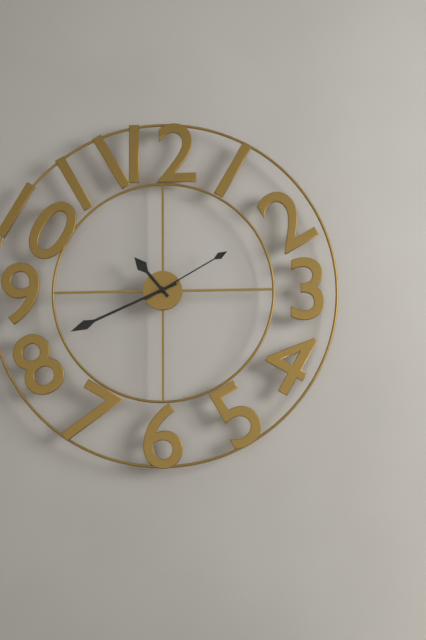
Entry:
10 h 41 min 10 s
